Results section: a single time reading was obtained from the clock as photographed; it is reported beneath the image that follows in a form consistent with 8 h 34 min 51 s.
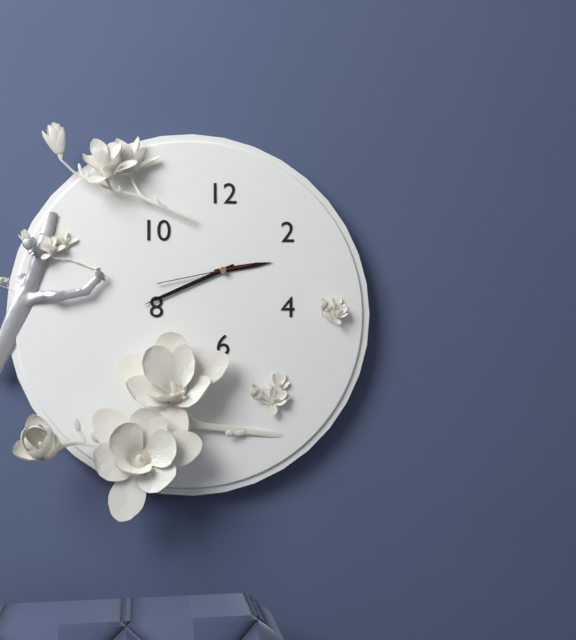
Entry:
2 h 41 min 43 s
